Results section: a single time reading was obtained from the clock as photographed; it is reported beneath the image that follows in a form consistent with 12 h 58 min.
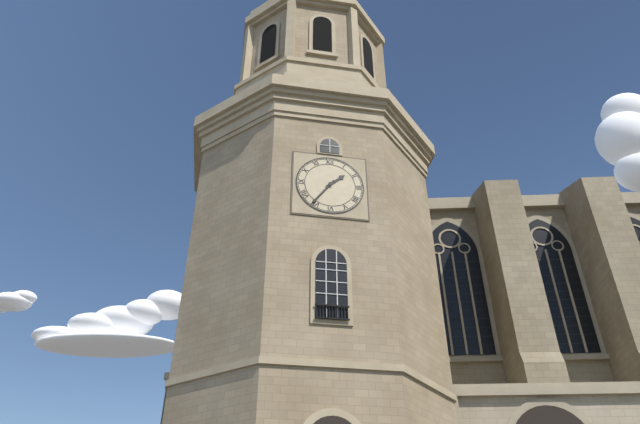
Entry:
1 h 36 min
